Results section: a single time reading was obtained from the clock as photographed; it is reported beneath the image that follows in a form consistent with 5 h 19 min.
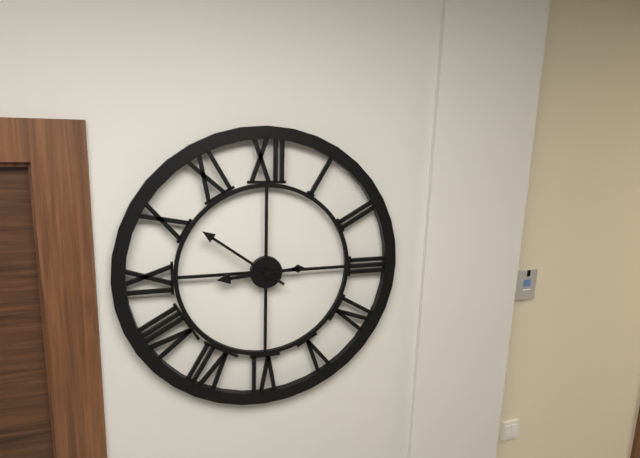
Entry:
8 h 51 min
